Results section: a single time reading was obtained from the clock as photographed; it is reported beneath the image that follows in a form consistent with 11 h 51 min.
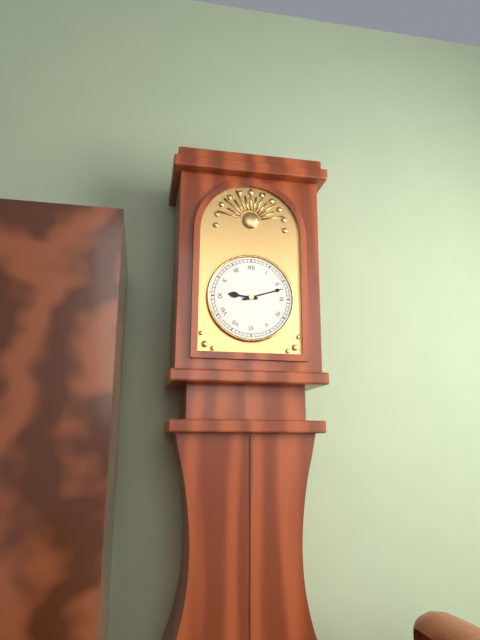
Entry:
9 h 12 min
